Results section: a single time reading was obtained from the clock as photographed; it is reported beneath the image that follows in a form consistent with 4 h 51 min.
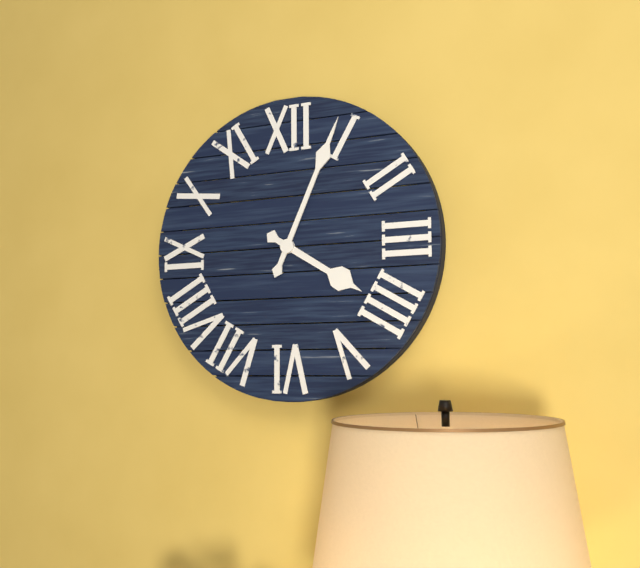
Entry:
4 h 04 min
